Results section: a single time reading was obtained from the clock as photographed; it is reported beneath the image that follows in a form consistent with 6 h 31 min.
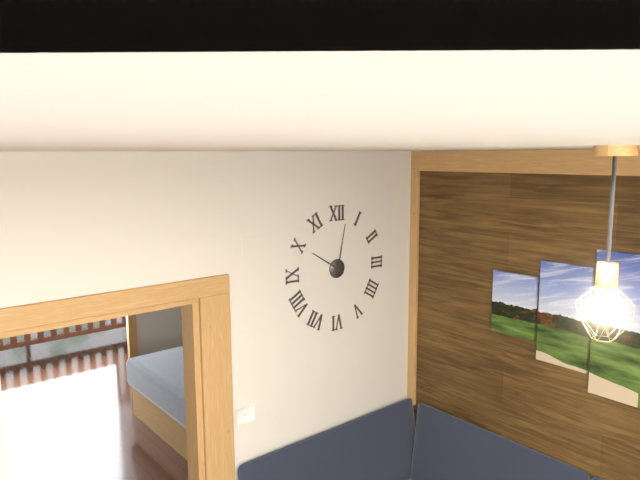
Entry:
10 h 02 min
